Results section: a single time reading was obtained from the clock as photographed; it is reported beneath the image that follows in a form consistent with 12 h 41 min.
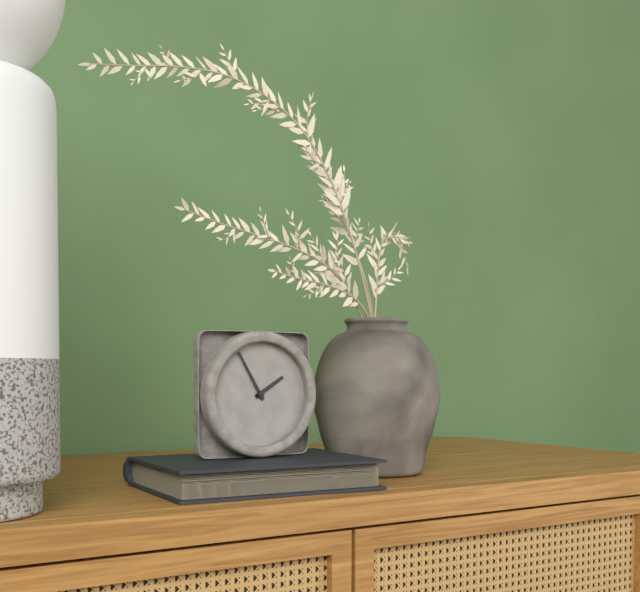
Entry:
1 h 55 min
